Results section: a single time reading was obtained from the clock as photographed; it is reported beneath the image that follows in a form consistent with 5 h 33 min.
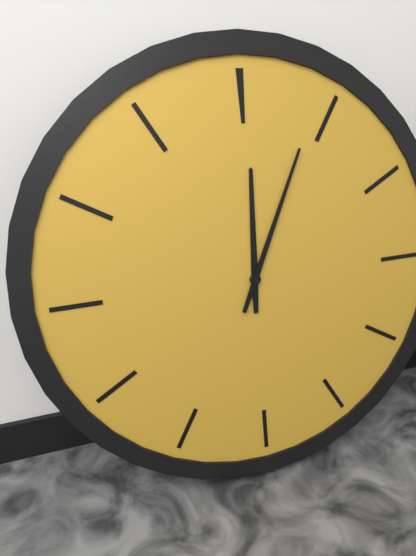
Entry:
12 h 04 min
